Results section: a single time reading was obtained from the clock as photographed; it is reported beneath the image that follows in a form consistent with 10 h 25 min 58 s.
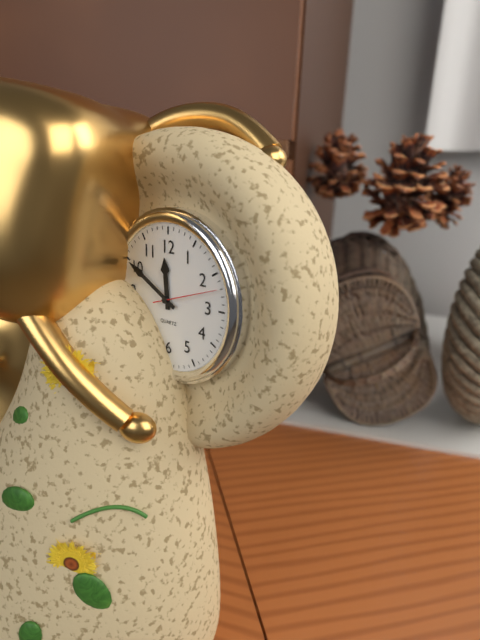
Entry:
11 h 50 min 12 s
